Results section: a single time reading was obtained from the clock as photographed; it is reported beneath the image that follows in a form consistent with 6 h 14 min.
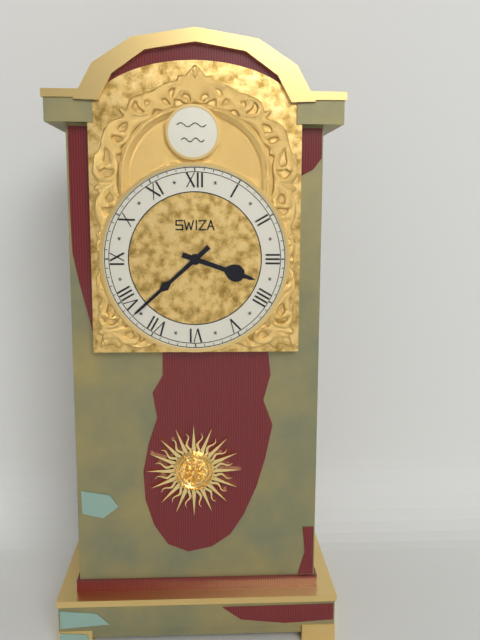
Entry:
3 h 38 min
